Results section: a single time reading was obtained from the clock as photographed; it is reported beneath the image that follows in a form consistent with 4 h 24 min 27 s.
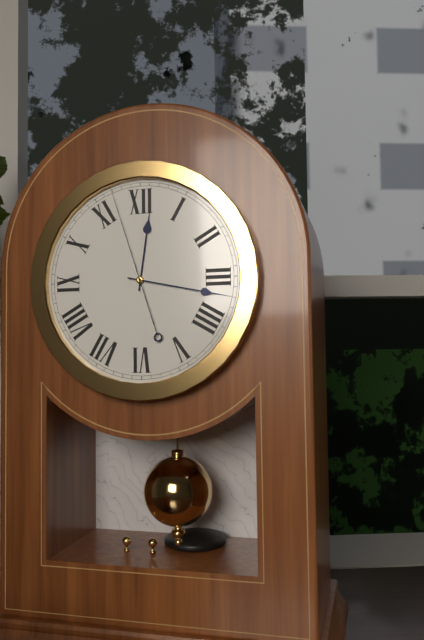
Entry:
12 h 17 min 57 s
